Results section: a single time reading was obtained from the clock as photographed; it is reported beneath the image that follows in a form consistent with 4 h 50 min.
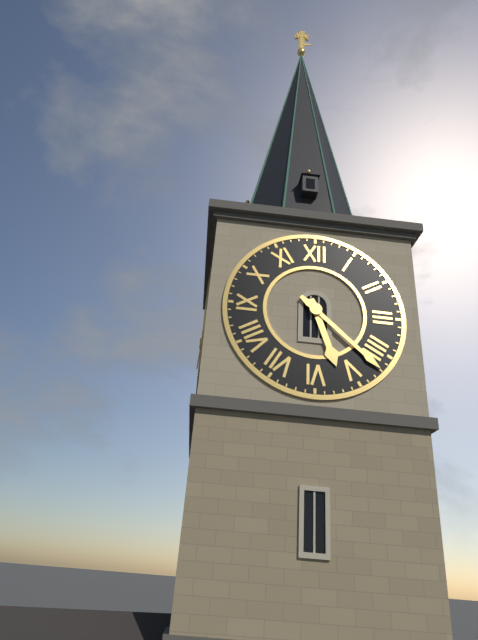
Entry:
5 h 22 min
